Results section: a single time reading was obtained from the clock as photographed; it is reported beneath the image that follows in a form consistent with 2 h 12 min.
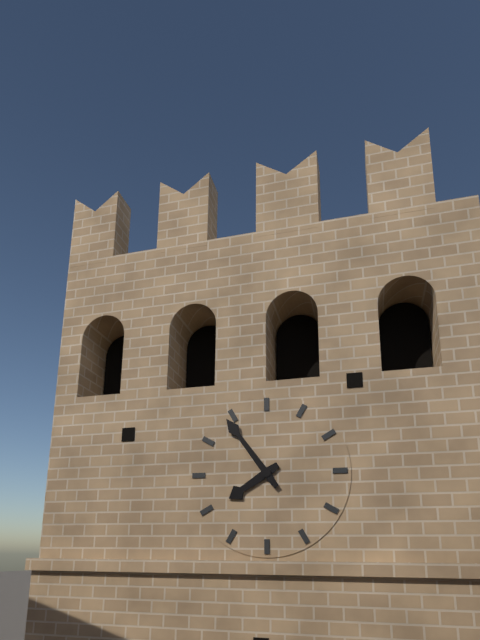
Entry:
7 h 54 min
